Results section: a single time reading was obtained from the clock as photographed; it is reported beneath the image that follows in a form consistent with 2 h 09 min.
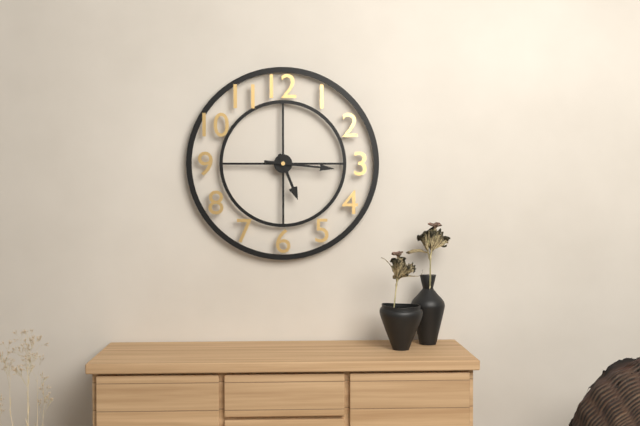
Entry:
5 h 16 min
